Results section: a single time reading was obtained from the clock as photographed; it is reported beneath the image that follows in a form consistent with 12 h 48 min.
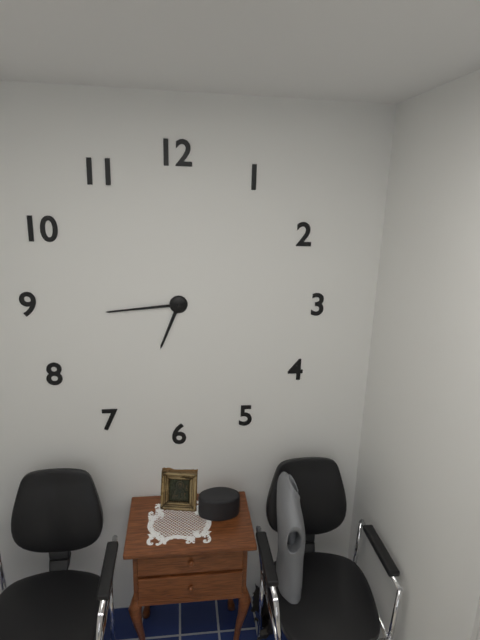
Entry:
6 h 44 min
